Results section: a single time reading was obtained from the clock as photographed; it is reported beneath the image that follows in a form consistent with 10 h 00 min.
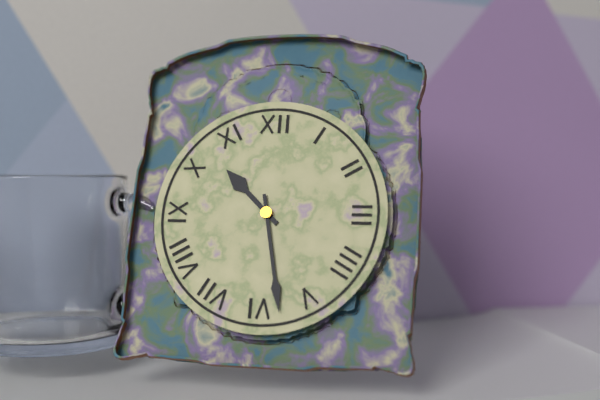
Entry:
10 h 28 min
